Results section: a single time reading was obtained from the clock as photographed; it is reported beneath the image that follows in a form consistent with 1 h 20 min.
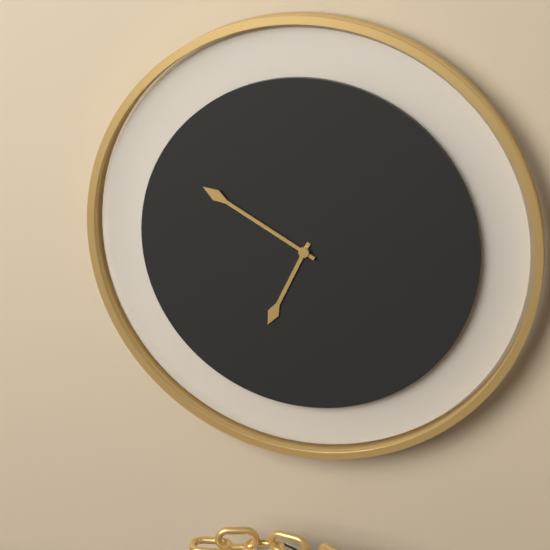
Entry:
6 h 50 min
